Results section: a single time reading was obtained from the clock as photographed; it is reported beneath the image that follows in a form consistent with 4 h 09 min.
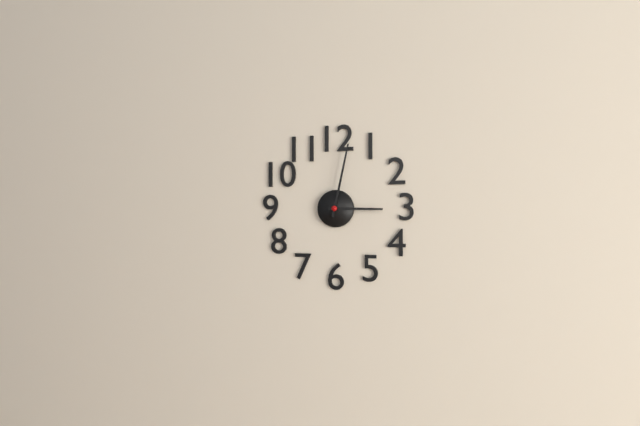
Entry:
3 h 02 min
